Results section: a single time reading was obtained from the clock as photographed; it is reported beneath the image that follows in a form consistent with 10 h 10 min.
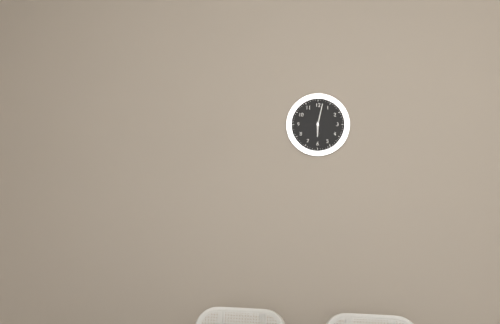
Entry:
6 h 02 min
